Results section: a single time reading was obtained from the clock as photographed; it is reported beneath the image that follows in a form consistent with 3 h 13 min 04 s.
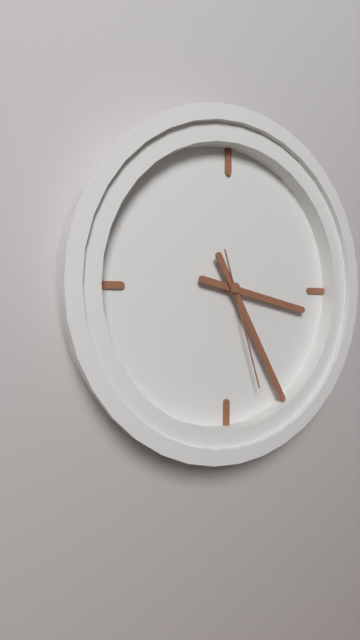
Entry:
3 h 25 min 27 s
